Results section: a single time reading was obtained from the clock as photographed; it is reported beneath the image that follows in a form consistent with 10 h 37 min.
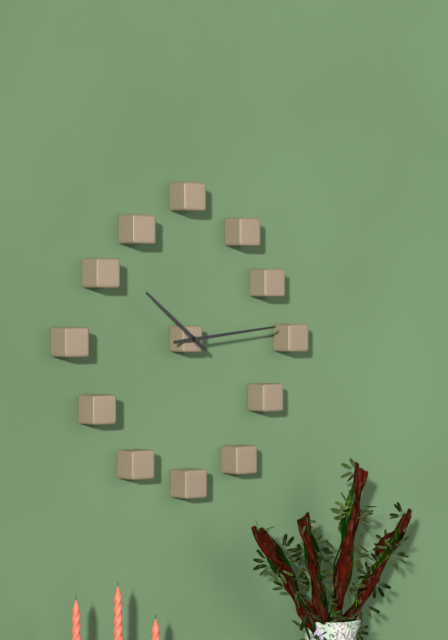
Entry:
10 h 14 min
